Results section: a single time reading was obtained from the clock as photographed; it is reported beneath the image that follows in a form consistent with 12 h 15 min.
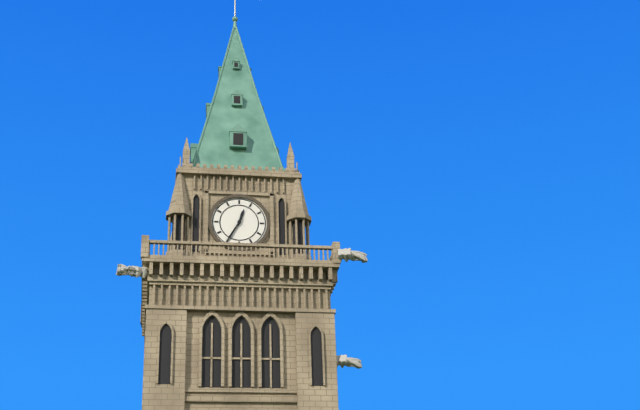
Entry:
12 h 35 min
